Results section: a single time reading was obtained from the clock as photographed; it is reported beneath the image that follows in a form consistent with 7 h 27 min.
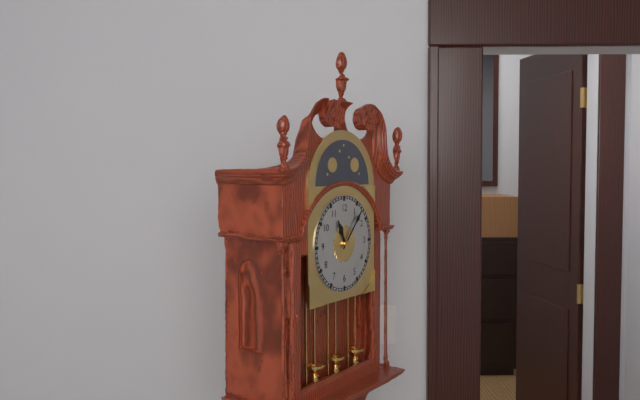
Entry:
11 h 07 min
